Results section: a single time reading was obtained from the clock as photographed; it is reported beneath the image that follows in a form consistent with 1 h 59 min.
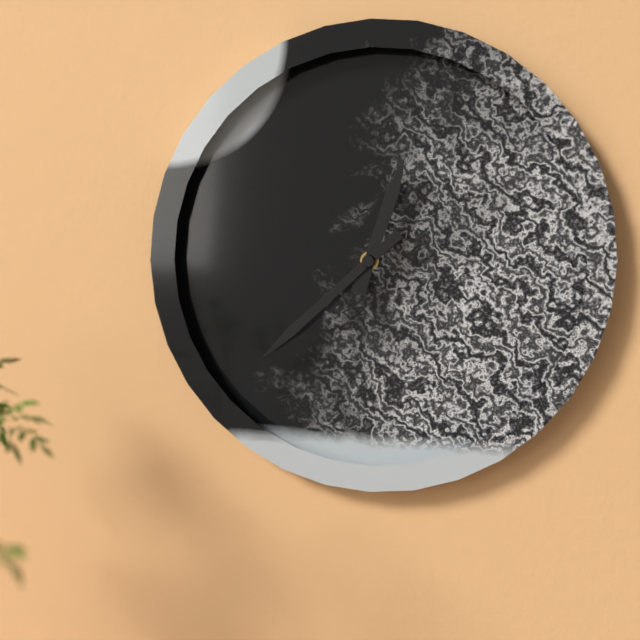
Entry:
12 h 38 min
